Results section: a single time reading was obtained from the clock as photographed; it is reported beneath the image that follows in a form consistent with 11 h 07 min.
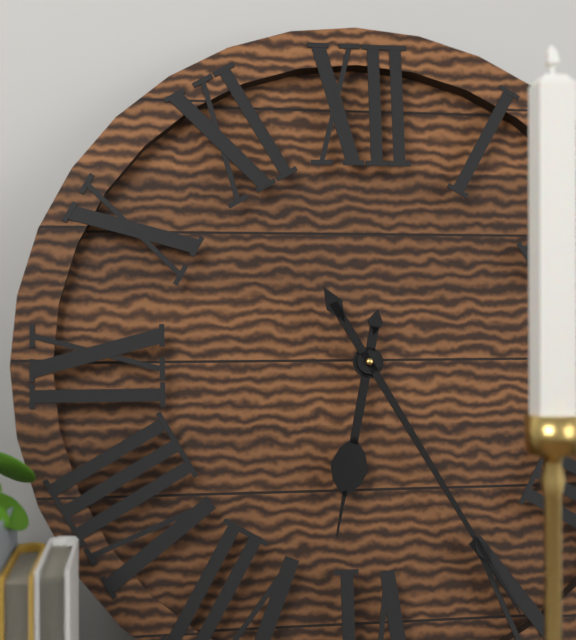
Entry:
6 h 25 min
